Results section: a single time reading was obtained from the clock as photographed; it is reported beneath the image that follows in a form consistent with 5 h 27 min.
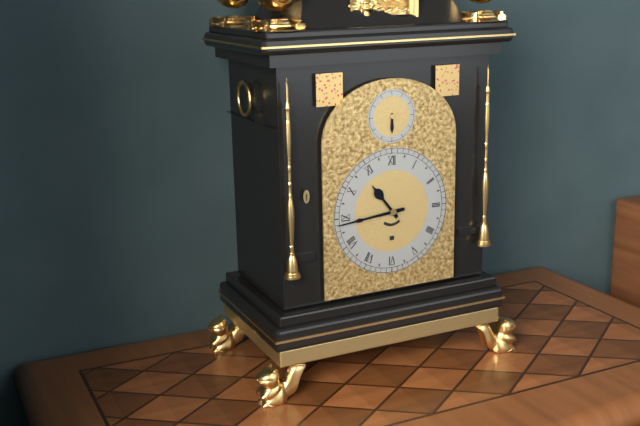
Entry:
10 h 44 min
